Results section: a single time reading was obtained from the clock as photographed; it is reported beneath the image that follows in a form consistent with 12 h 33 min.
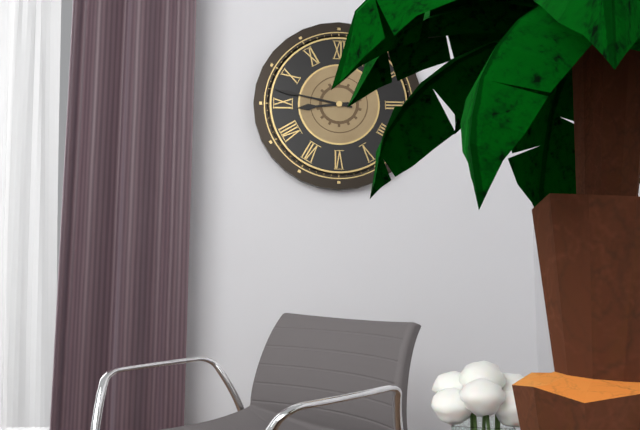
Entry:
8 h 47 min
